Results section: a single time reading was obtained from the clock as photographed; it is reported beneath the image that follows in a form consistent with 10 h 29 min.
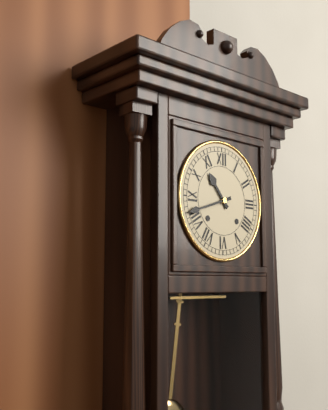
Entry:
10 h 42 min
